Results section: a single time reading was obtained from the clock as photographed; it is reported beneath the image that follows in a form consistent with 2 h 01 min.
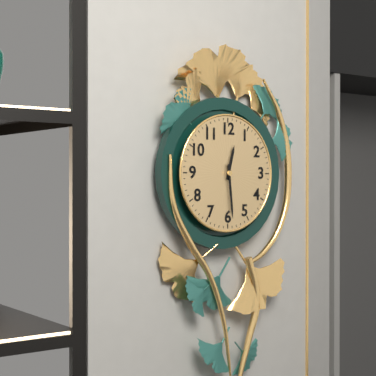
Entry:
12 h 29 min
